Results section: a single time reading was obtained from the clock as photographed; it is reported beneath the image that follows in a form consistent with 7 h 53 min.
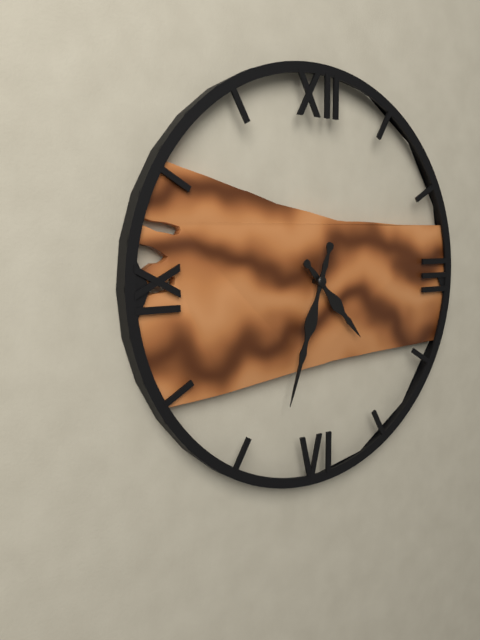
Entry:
4 h 33 min
